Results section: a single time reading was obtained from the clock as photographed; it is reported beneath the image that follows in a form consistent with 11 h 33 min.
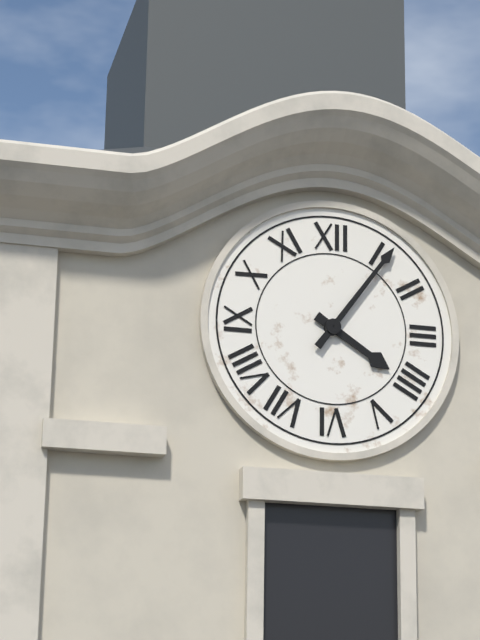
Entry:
4 h 06 min
